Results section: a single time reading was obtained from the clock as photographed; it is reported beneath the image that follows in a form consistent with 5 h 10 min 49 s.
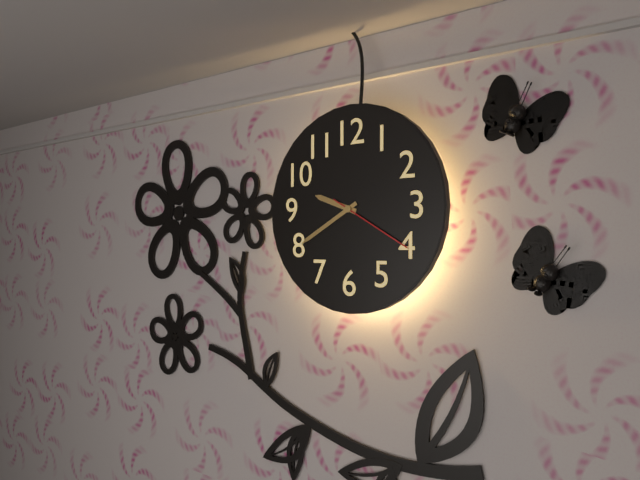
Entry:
9 h 40 min 20 s
